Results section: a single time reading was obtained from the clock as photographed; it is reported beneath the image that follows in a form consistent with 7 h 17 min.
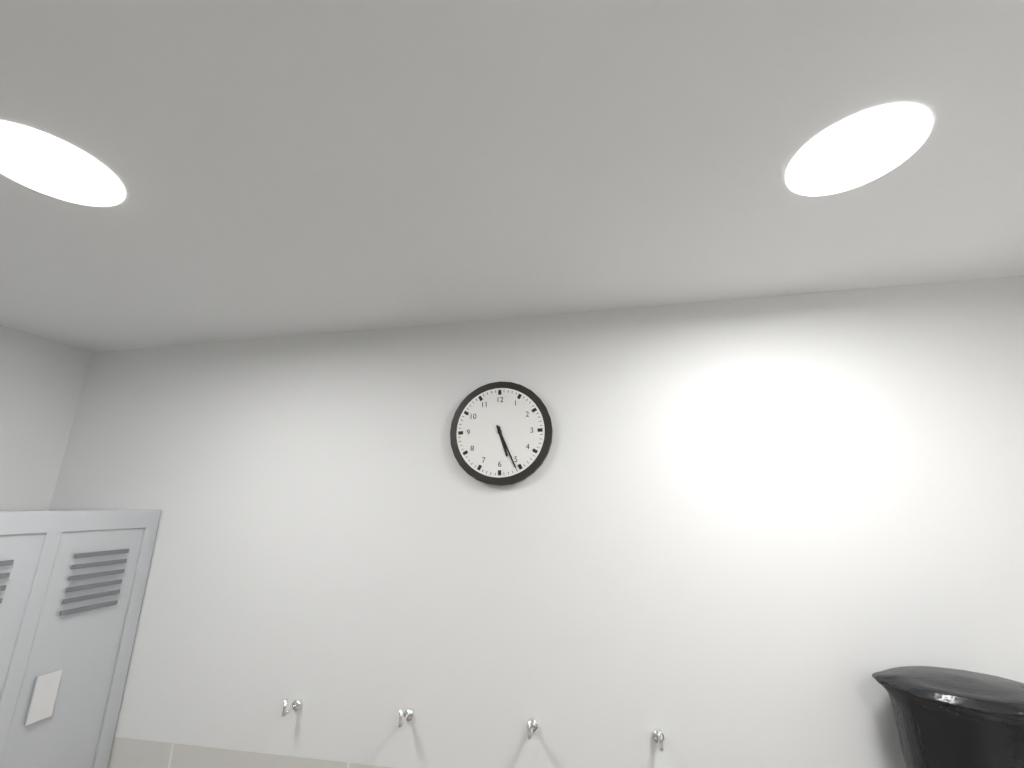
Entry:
5 h 26 min
